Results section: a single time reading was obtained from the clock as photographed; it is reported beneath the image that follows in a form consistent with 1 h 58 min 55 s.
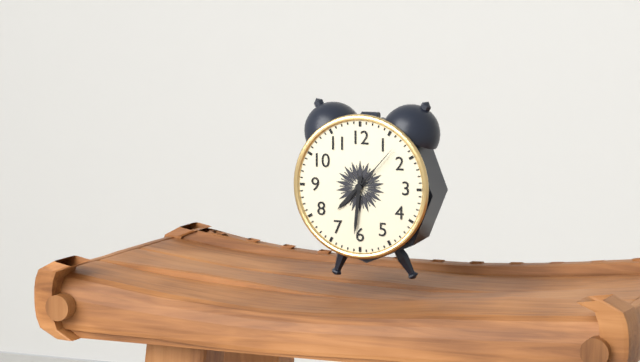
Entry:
7 h 31 min 07 s
